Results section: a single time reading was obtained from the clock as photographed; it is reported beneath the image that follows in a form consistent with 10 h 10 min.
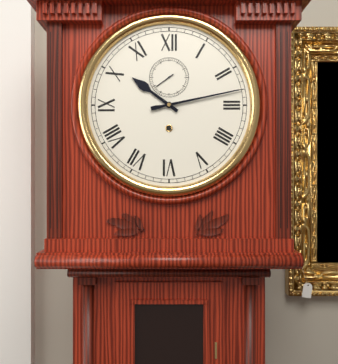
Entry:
10 h 13 min
